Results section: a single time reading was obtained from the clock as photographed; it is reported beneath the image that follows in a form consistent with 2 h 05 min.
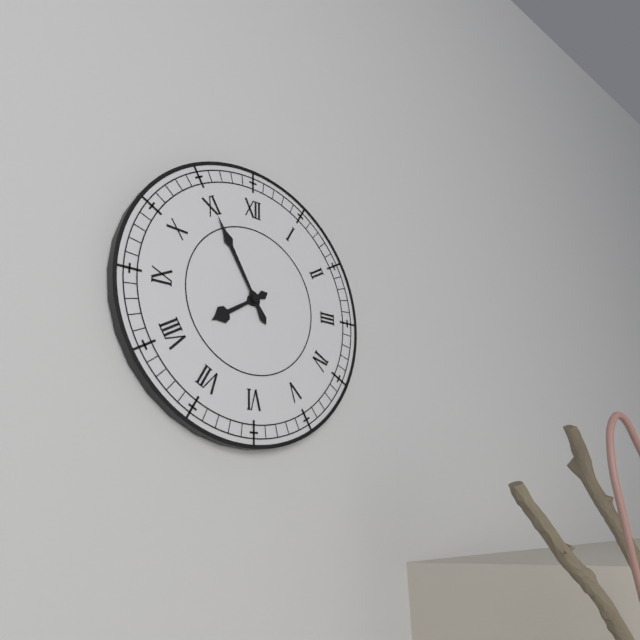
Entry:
7 h 55 min
